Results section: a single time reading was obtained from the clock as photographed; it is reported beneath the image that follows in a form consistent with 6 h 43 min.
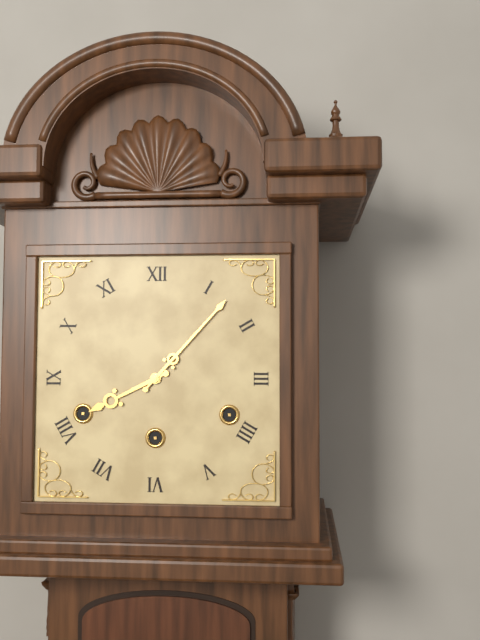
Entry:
8 h 07 min
